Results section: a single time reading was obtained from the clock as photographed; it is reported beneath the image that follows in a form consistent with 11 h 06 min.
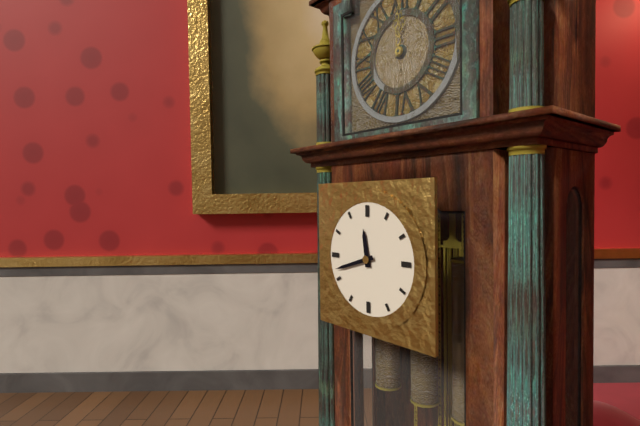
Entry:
11 h 42 min
